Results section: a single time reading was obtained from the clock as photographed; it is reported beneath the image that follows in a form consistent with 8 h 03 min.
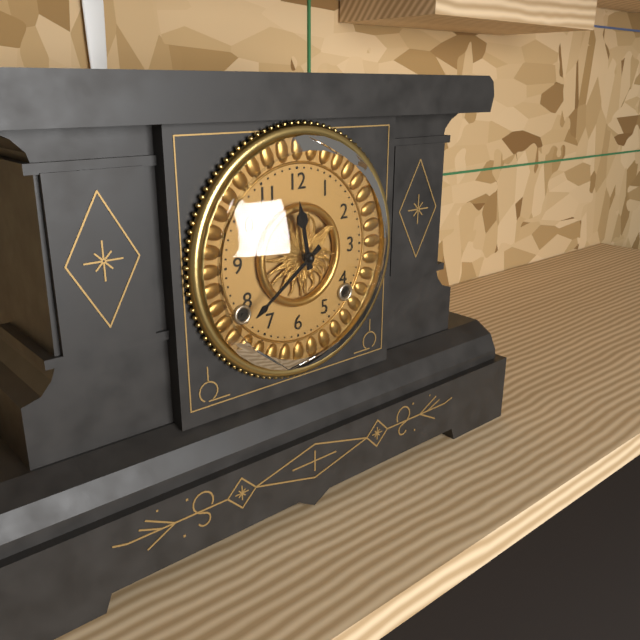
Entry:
11 h 39 min
